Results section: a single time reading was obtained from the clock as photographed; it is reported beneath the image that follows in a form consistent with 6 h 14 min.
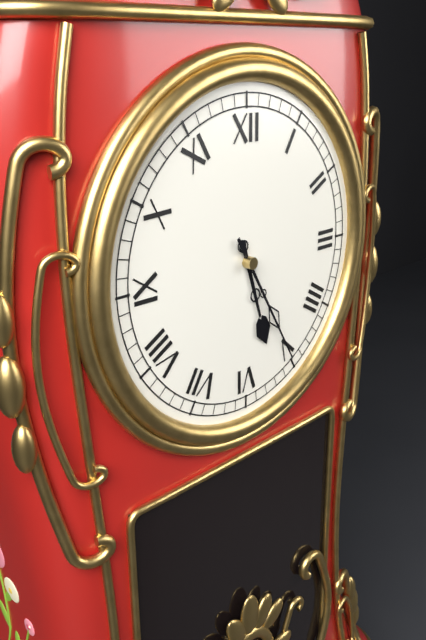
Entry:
5 h 25 min
